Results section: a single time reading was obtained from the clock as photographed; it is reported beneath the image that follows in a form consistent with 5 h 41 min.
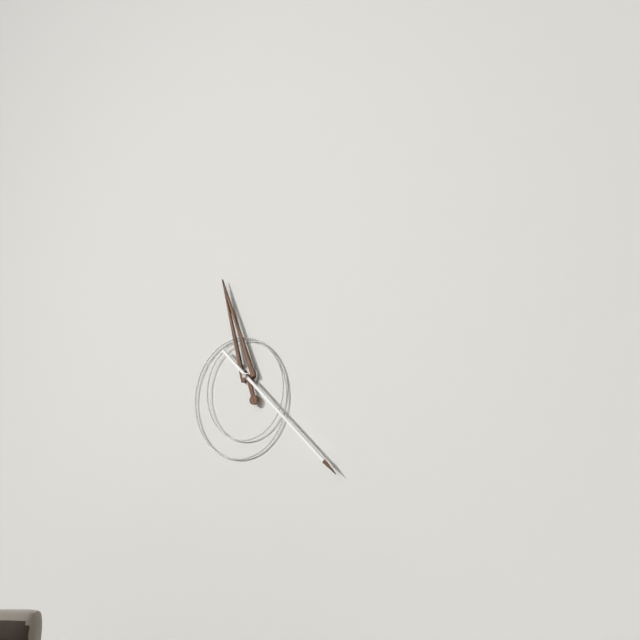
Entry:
11 h 22 min
